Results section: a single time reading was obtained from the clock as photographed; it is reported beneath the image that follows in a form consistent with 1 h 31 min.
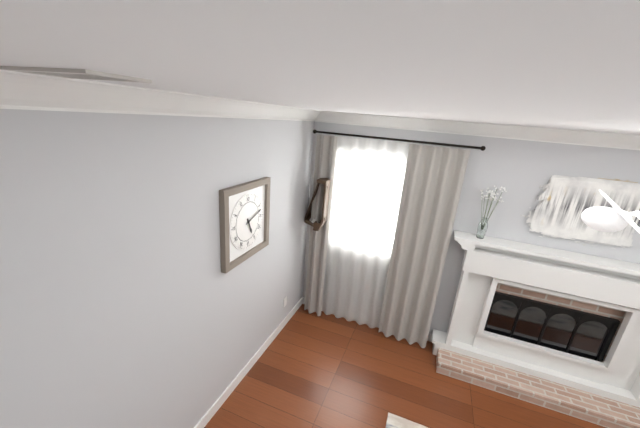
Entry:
5 h 12 min
